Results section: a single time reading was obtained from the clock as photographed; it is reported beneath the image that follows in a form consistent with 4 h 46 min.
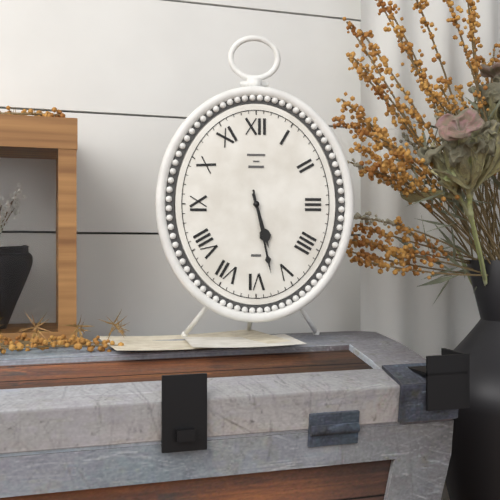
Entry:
5 h 28 min
